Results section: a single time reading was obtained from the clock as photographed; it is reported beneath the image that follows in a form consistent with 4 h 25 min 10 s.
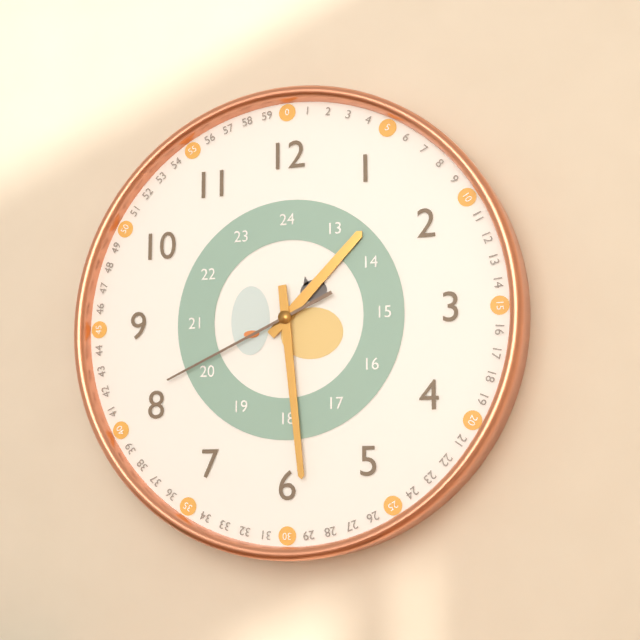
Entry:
1 h 29 min 41 s
